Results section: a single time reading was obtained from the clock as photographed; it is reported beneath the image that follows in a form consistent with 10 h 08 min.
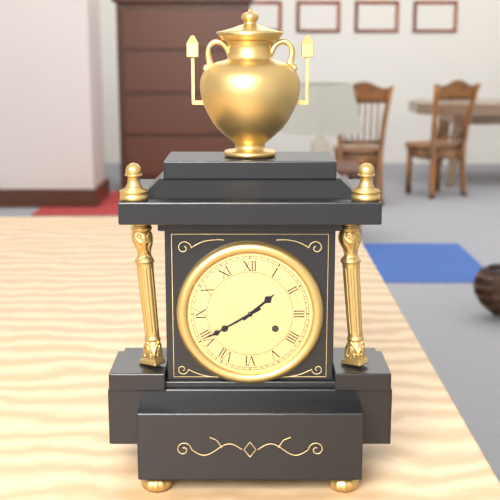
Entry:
1 h 40 min
